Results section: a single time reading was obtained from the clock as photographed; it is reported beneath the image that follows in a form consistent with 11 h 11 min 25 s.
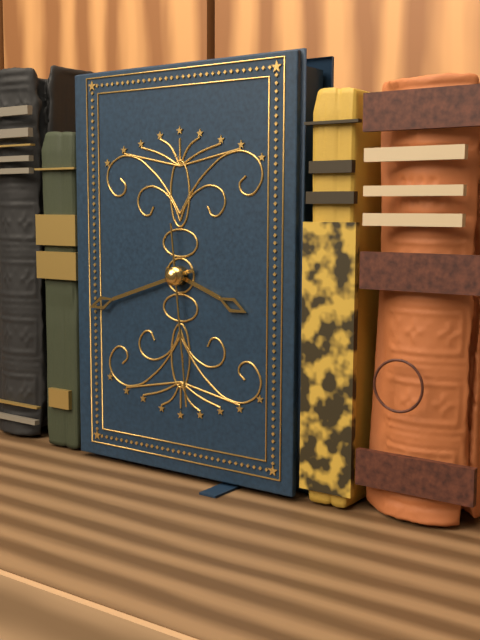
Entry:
3 h 42 min 29 s
